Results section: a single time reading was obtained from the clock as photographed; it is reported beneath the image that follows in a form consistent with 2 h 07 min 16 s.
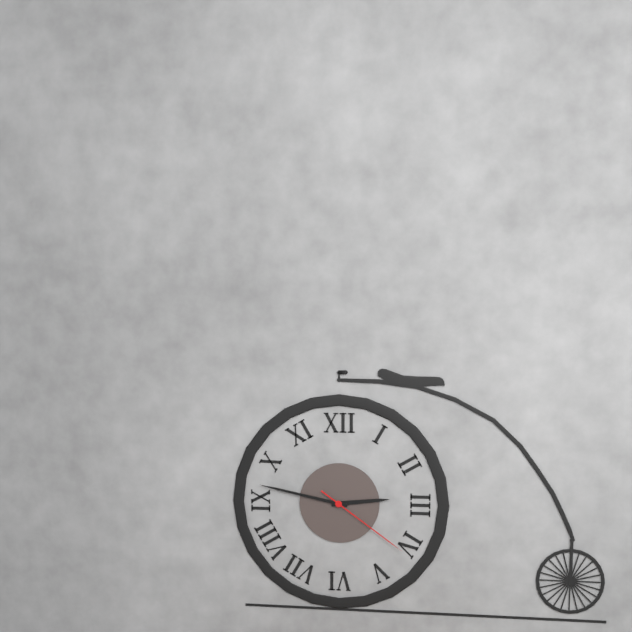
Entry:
2 h 47 min 21 s
